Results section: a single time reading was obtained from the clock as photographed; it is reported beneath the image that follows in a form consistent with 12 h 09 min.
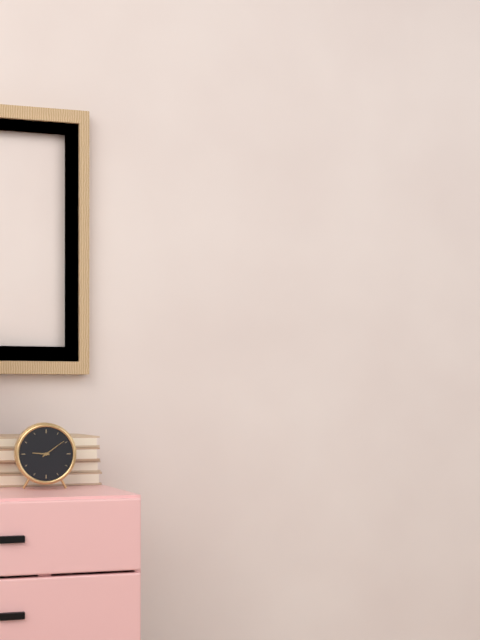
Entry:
9 h 09 min
